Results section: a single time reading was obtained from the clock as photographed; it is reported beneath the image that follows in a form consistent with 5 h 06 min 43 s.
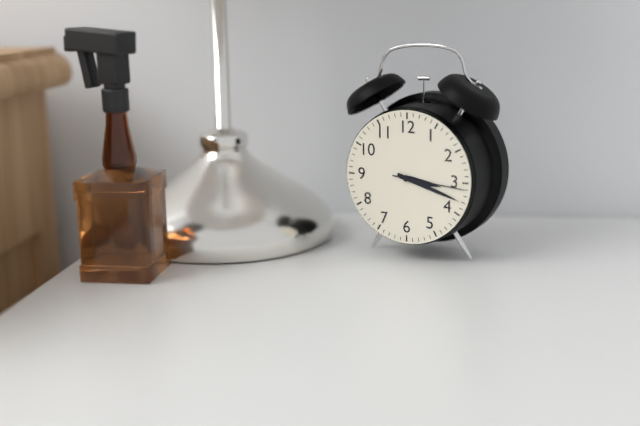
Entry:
3 h 18 min 16 s
